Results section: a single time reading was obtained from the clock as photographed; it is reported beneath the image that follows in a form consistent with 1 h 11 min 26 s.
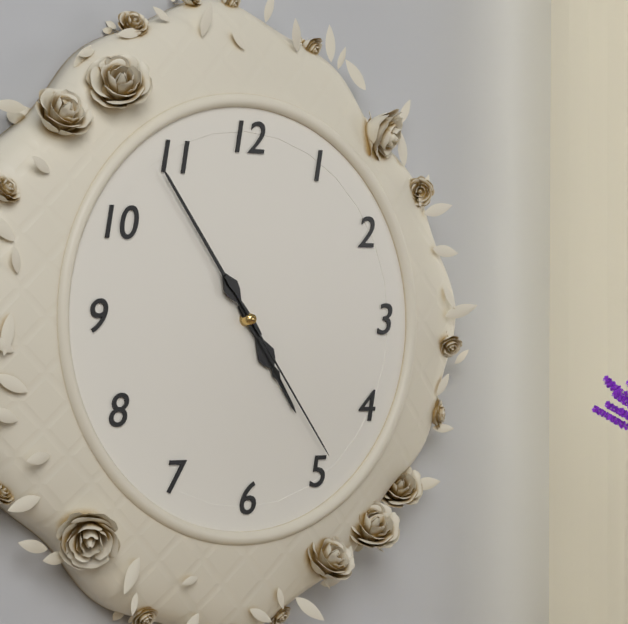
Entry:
4 h 54 min 24 s
